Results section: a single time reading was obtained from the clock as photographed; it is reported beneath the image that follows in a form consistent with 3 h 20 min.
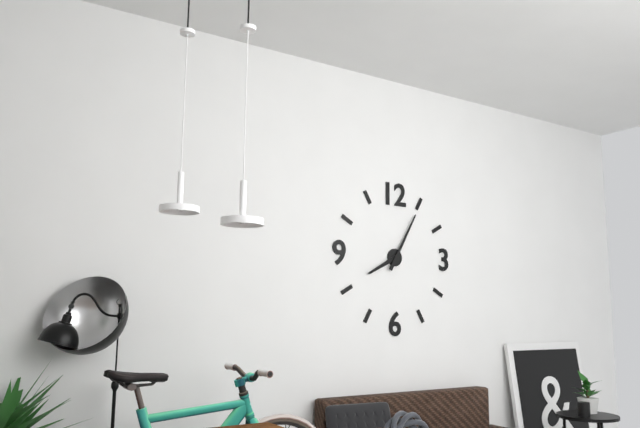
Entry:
8 h 05 min
